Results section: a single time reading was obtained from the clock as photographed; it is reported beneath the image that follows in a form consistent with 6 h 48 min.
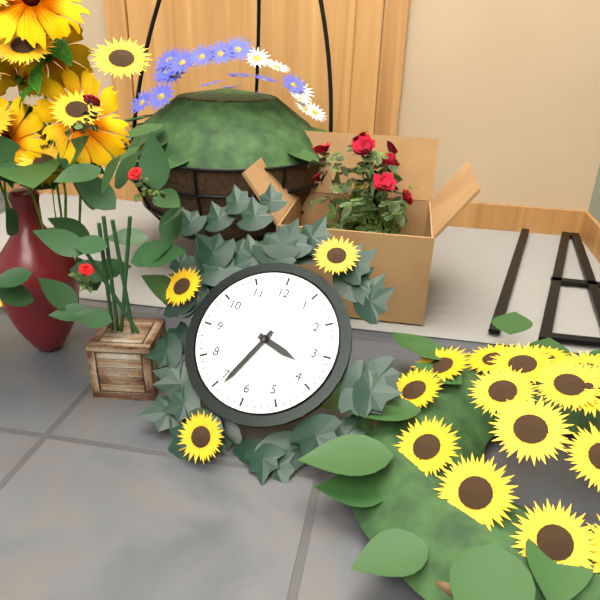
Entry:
3 h 34 min
